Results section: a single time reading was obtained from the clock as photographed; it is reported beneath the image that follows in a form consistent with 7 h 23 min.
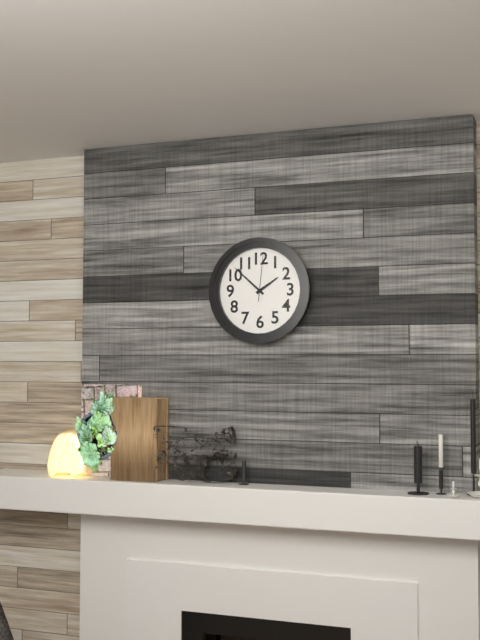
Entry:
1 h 52 min
